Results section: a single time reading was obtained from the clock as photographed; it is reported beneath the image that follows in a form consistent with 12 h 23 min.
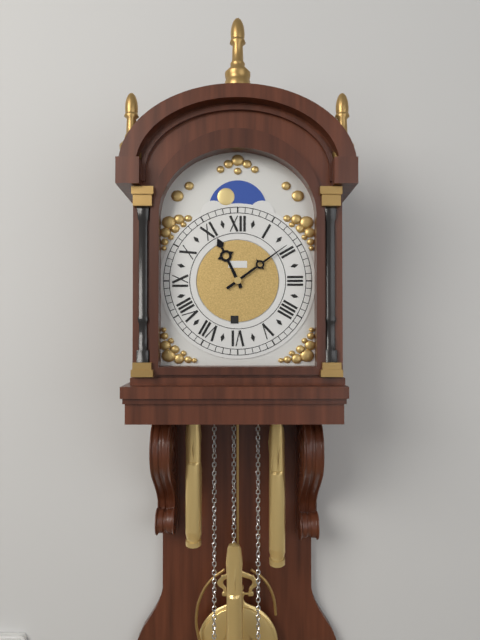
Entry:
11 h 09 min
